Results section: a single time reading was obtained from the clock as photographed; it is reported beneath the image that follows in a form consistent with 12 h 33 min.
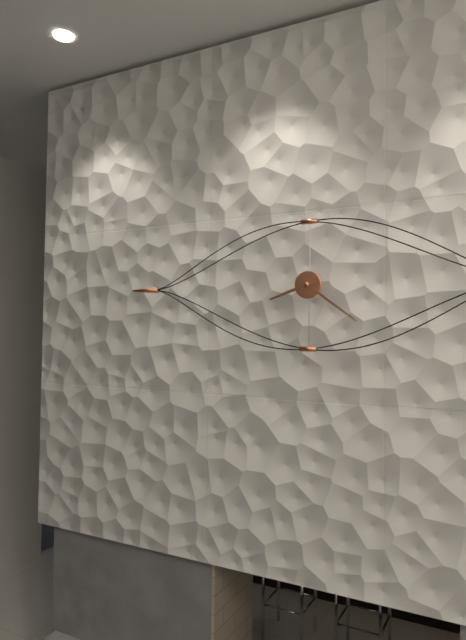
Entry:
8 h 21 min
